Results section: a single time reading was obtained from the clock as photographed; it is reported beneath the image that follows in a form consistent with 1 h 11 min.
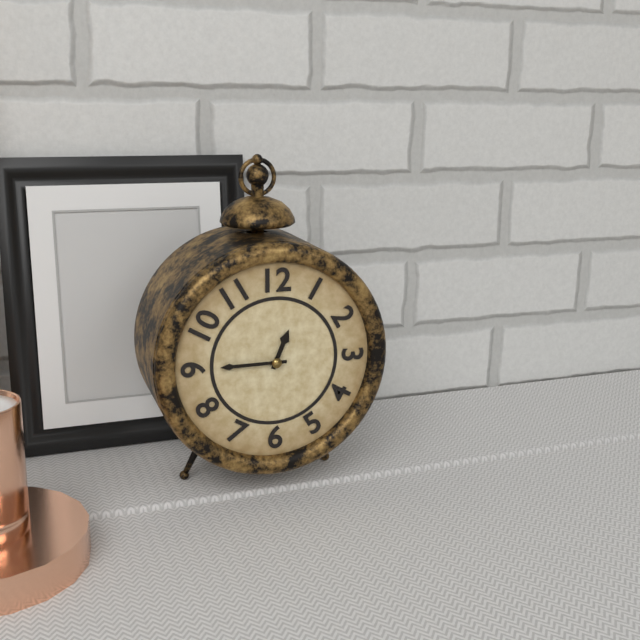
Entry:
12 h 45 min
